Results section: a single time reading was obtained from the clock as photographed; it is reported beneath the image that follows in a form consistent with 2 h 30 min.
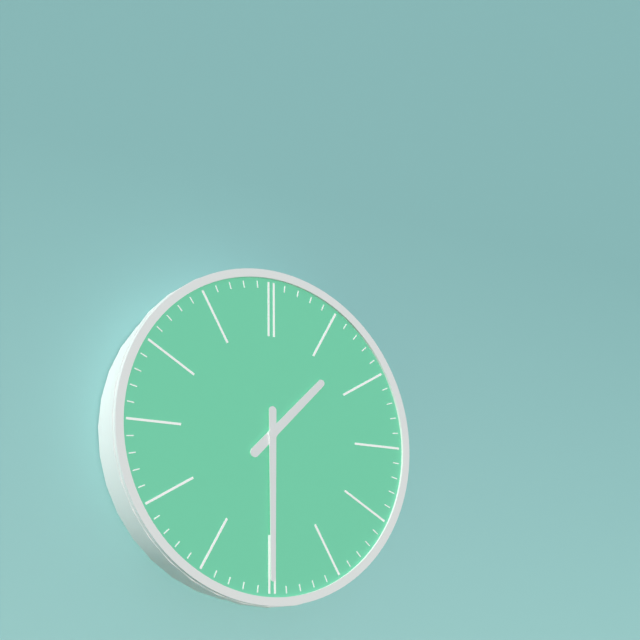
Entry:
1 h 30 min
